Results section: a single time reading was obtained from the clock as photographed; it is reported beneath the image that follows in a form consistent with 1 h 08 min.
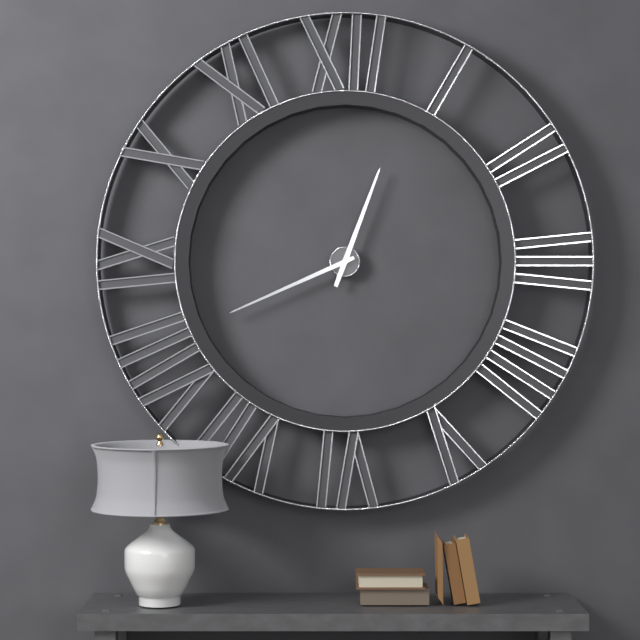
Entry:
12 h 41 min
